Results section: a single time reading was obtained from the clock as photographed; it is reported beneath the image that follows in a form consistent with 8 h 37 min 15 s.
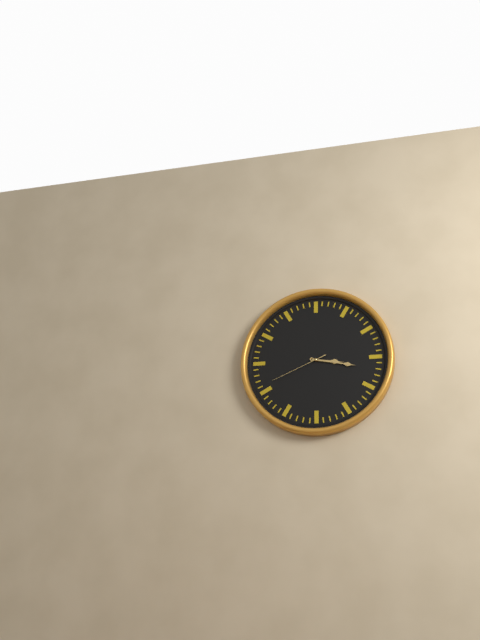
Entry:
3 h 17 min 41 s
